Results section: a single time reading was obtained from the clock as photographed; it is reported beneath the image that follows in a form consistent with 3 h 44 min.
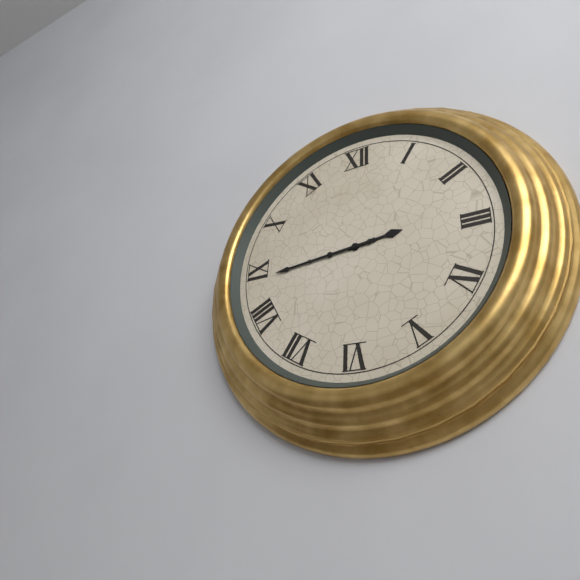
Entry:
2 h 44 min
